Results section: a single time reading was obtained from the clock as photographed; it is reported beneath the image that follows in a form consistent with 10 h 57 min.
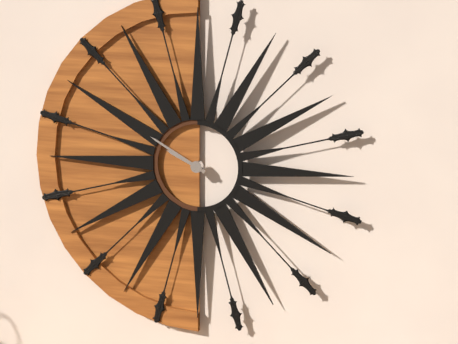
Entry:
9 h 50 min
